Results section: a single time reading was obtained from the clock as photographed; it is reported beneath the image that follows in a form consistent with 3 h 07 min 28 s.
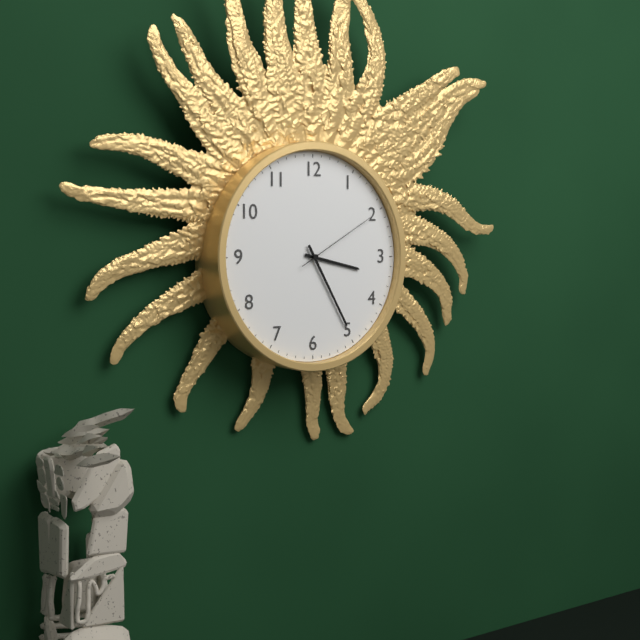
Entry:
3 h 25 min 10 s
